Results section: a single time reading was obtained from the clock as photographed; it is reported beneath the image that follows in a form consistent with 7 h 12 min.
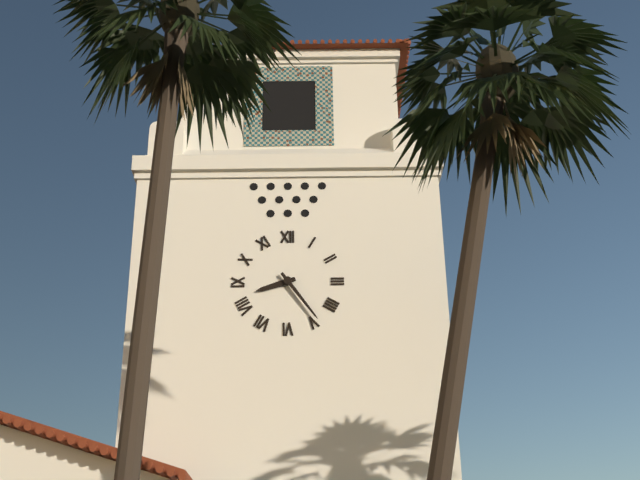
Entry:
8 h 24 min
